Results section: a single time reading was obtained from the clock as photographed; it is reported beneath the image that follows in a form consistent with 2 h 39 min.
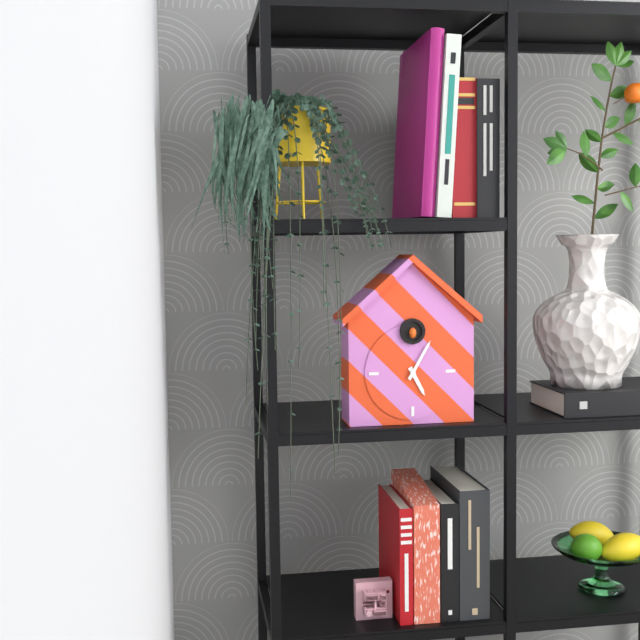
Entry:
5 h 05 min
